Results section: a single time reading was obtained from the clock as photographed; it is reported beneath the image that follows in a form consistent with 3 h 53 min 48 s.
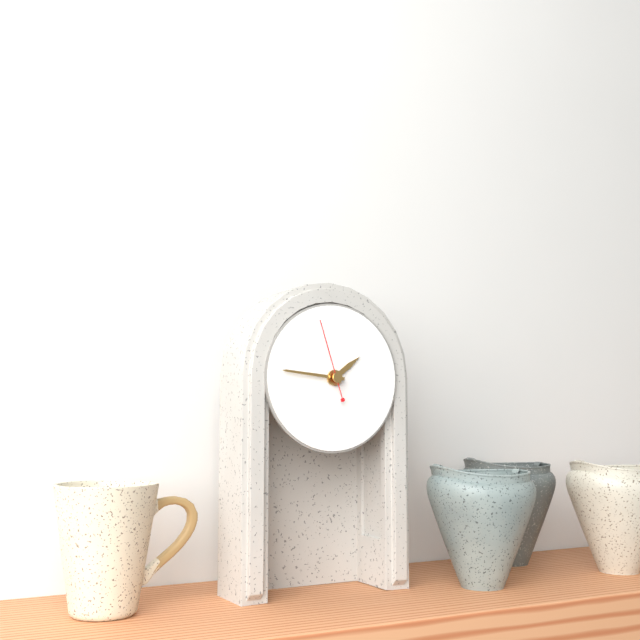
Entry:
1 h 46 min 57 s
